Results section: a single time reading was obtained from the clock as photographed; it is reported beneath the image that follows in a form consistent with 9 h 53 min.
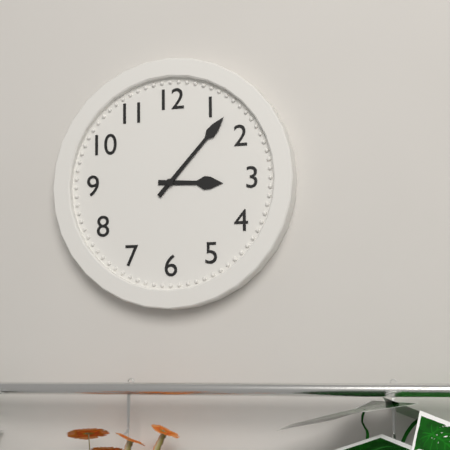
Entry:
3 h 07 min
